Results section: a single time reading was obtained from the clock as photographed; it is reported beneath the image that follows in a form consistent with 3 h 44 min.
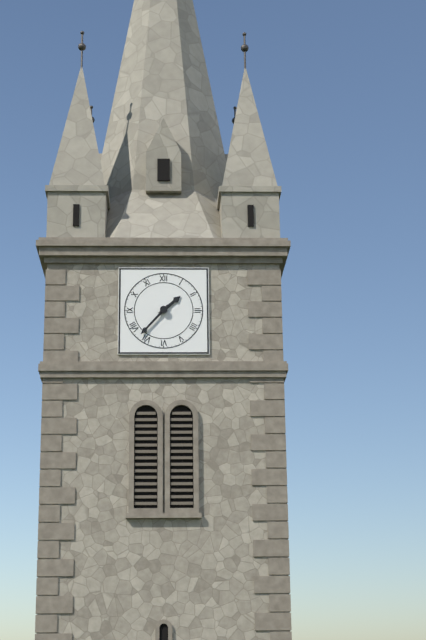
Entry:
1 h 37 min
